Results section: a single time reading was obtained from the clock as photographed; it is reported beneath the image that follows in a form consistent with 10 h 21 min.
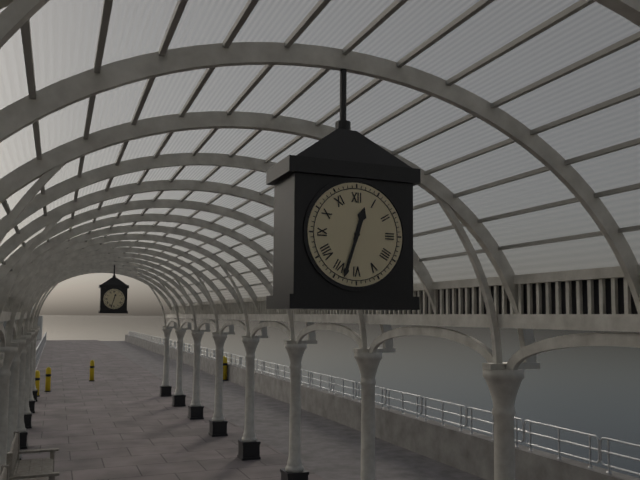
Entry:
12 h 33 min
